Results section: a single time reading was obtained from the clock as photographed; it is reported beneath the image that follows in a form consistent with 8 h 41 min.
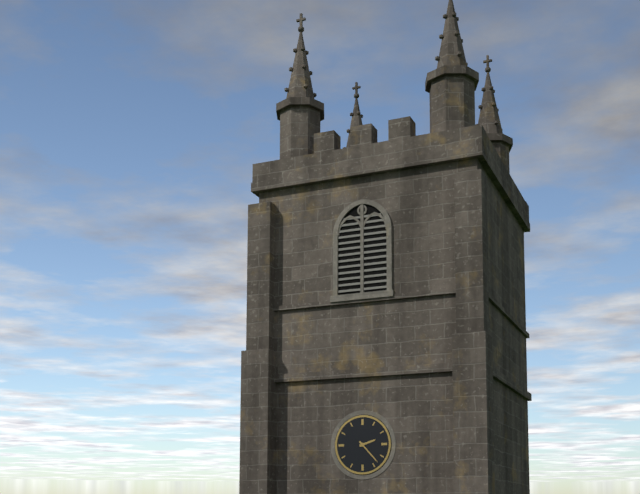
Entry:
2 h 23 min
